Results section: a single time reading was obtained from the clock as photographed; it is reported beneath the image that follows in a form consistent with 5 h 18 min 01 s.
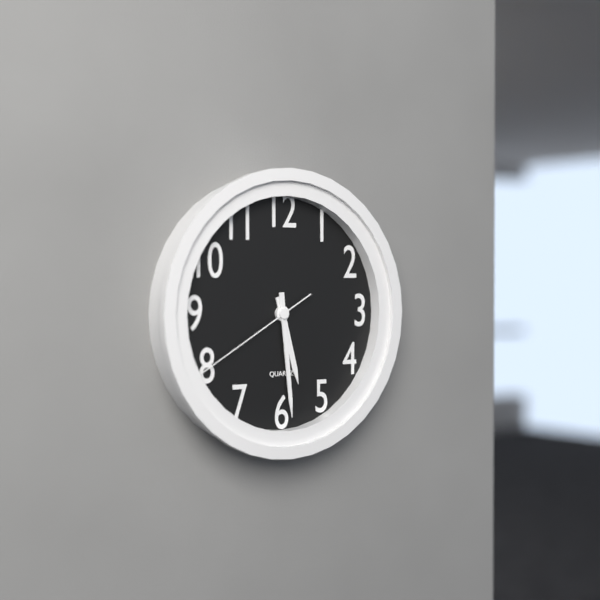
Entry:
5 h 29 min 40 s
